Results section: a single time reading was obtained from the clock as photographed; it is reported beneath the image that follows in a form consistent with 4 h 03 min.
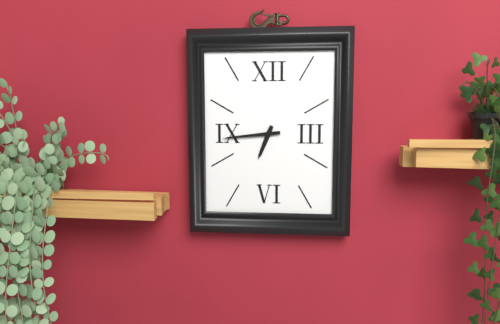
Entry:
6 h 44 min
